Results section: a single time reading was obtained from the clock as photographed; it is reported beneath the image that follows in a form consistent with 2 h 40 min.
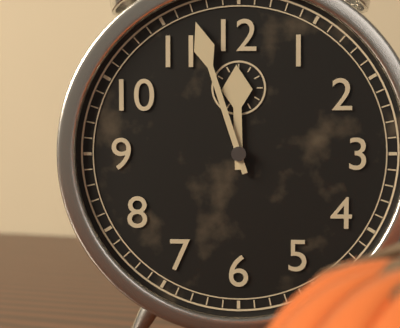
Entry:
11 h 57 min
